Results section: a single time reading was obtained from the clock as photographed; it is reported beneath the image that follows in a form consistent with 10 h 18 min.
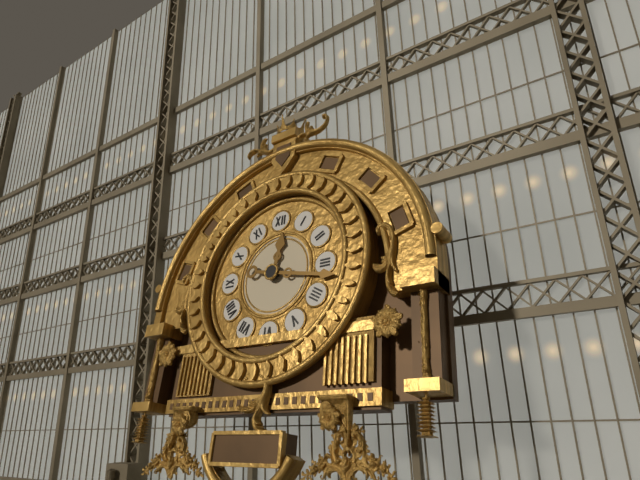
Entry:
12 h 17 min
